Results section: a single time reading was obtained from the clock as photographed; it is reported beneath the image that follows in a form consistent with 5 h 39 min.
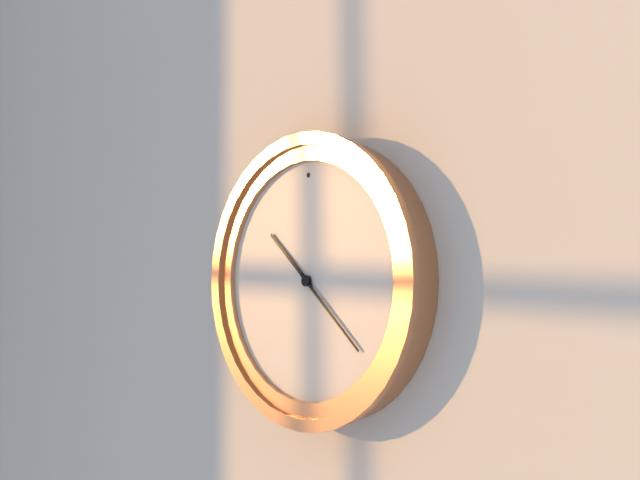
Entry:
10 h 22 min
